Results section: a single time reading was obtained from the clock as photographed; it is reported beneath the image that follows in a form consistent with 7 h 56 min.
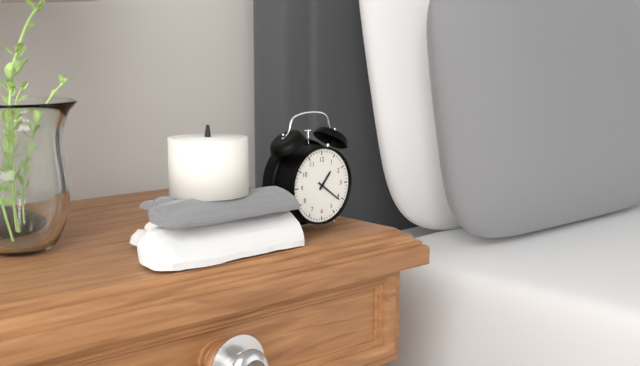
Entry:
1 h 21 min
